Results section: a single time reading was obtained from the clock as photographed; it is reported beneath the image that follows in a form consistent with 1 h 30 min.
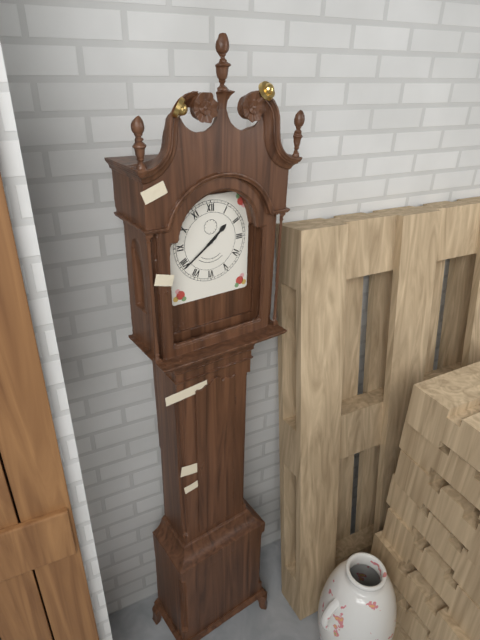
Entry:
1 h 39 min
